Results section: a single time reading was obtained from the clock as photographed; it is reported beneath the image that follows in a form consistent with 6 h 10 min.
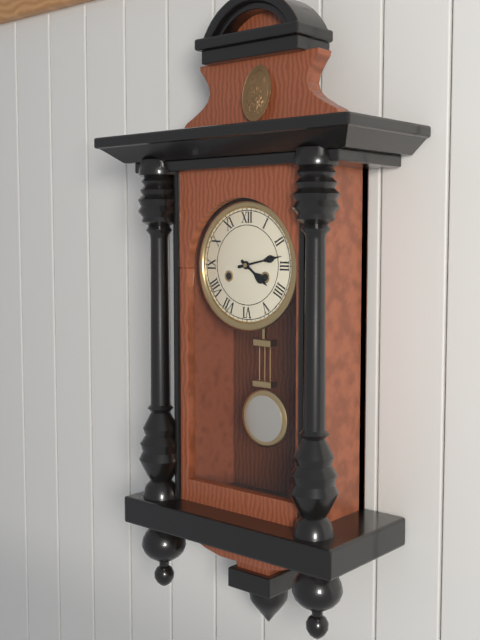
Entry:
4 h 13 min
